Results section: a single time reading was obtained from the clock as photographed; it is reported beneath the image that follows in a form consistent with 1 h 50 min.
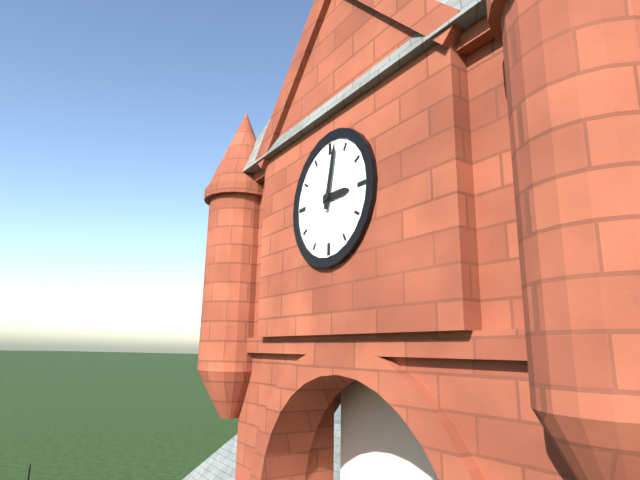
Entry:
3 h 02 min
